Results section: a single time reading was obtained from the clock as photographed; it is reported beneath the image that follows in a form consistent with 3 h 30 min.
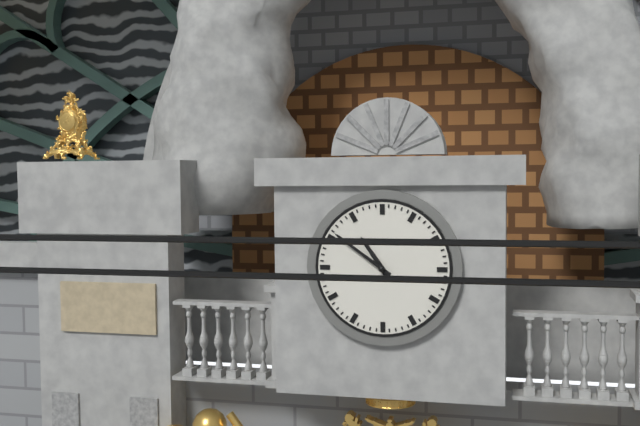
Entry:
10 h 51 min
